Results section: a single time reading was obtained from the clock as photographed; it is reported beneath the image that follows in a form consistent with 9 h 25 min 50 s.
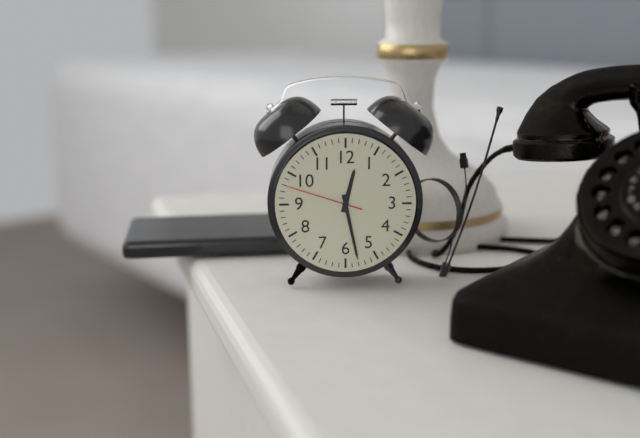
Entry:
12 h 28 min 48 s
